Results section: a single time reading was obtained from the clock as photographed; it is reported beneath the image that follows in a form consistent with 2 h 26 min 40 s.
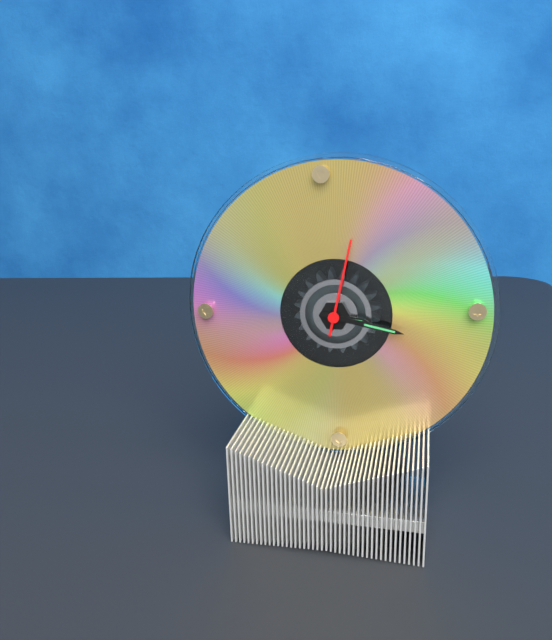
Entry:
3 h 17 min 02 s
